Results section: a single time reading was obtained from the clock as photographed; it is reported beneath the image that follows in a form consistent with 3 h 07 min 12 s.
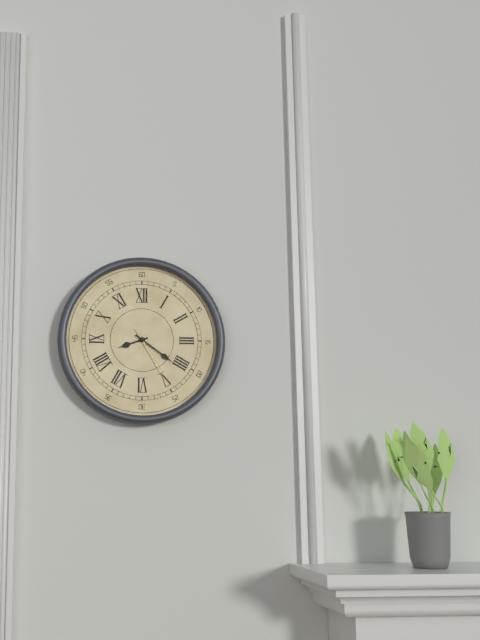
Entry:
8 h 21 min 25 s
